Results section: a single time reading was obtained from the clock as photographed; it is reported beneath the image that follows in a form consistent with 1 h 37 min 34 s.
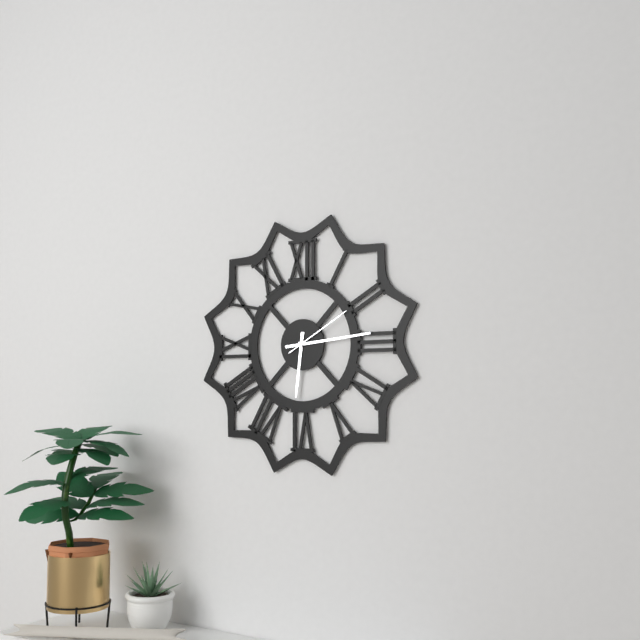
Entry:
6 h 14 min 10 s
